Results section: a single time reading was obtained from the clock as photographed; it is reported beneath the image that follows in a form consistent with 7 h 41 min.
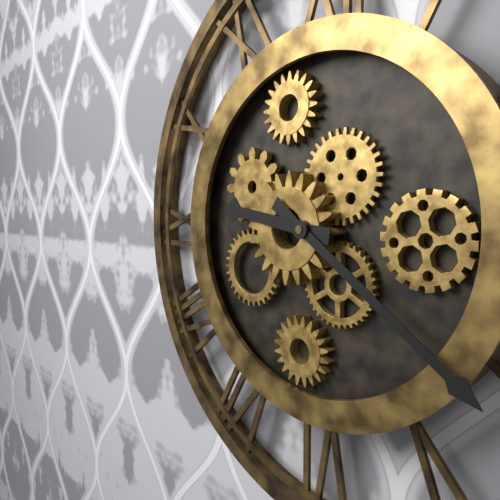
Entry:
9 h 21 min
